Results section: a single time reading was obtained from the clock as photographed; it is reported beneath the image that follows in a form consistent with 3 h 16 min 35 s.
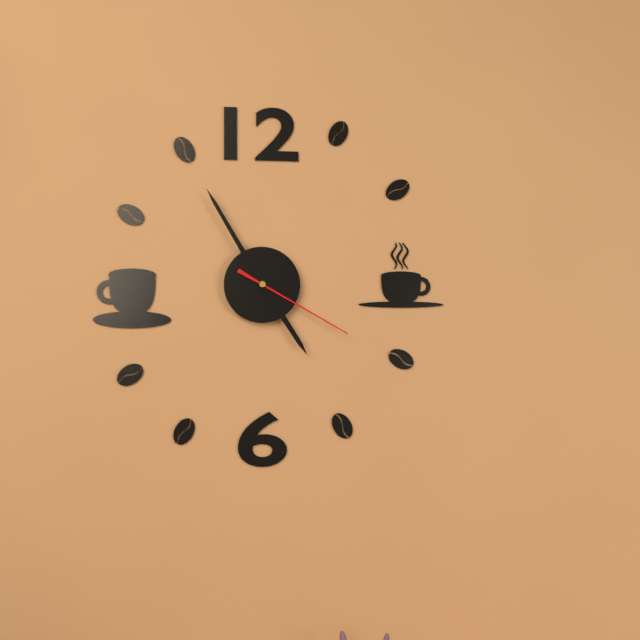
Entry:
4 h 55 min 20 s
